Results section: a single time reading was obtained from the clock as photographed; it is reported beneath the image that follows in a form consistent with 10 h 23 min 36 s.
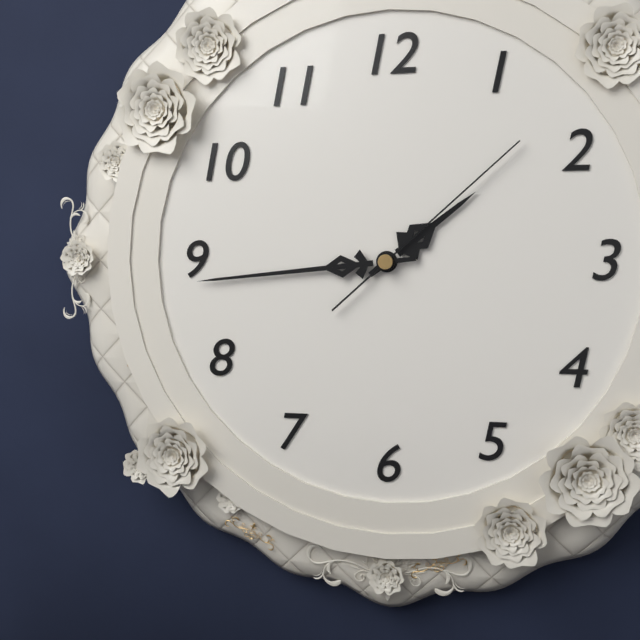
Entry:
1 h 44 min 08 s
